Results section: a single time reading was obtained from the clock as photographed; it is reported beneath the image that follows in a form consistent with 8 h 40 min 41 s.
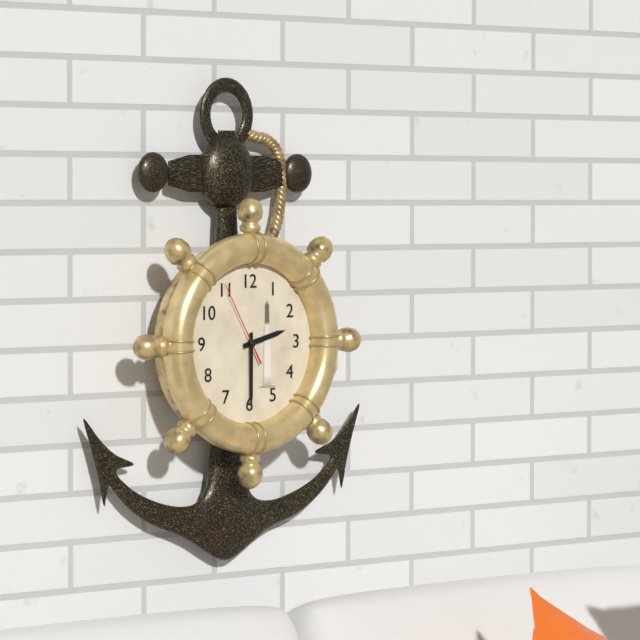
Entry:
2 h 30 min 55 s
